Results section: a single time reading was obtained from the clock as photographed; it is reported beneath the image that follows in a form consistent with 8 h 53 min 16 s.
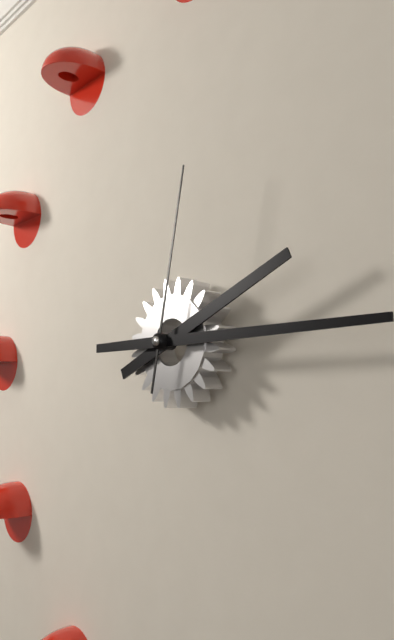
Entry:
2 h 15 min 02 s
